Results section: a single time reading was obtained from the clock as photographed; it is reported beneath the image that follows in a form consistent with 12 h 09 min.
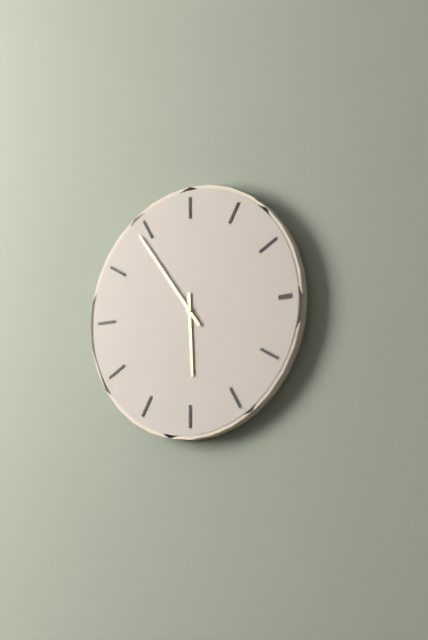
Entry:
5 h 54 min
